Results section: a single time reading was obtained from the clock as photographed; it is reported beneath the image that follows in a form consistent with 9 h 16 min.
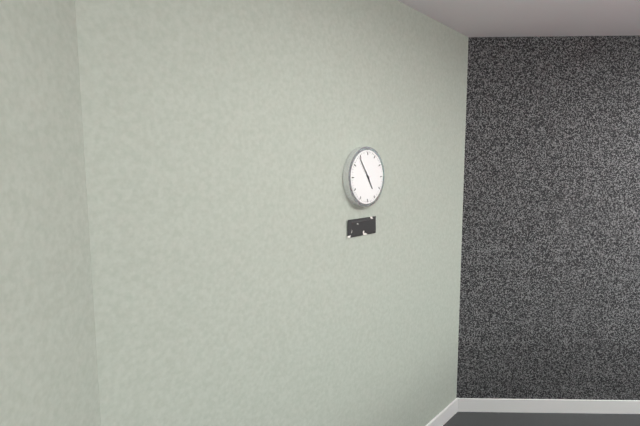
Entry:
4 h 54 min
